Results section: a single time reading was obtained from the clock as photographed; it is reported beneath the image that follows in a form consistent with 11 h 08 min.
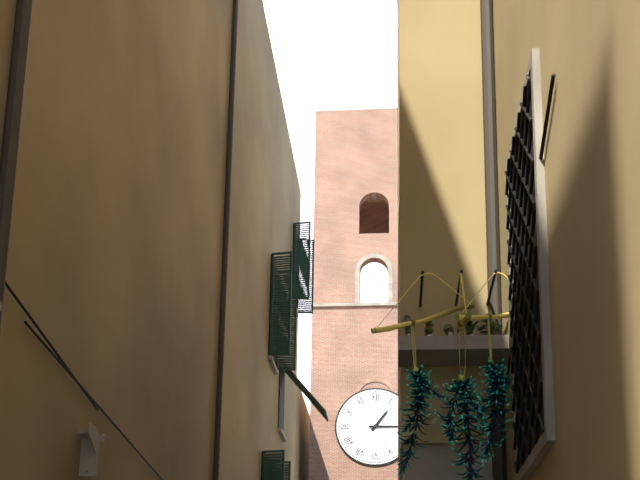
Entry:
1 h 15 min
